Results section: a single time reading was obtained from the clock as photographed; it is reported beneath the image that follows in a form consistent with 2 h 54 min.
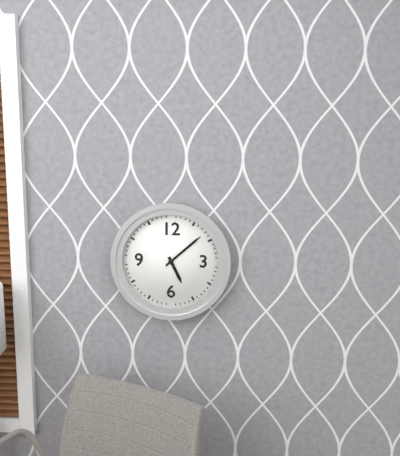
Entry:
5 h 08 min
